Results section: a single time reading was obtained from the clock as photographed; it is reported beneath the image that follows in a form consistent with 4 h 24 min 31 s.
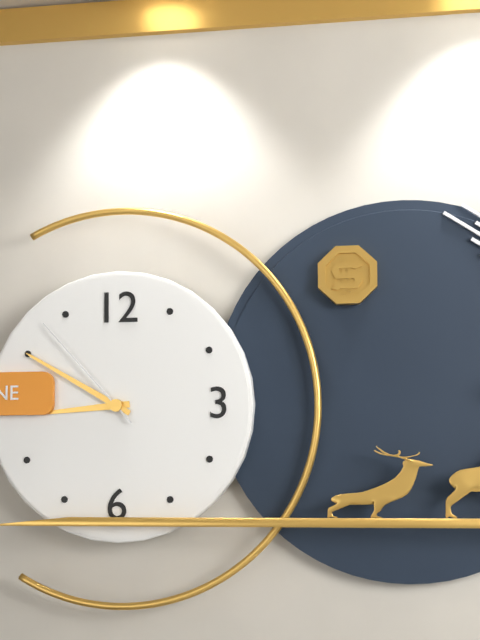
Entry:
8 h 50 min 53 s
